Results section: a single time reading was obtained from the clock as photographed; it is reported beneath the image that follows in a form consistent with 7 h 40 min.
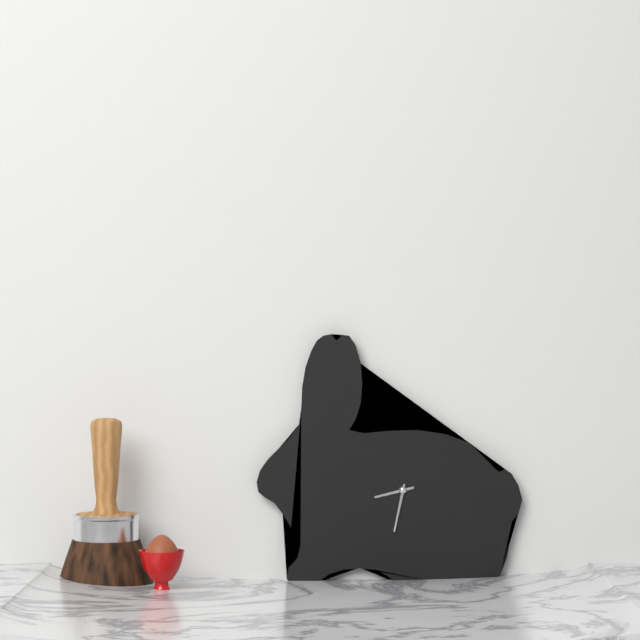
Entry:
8 h 32 min
